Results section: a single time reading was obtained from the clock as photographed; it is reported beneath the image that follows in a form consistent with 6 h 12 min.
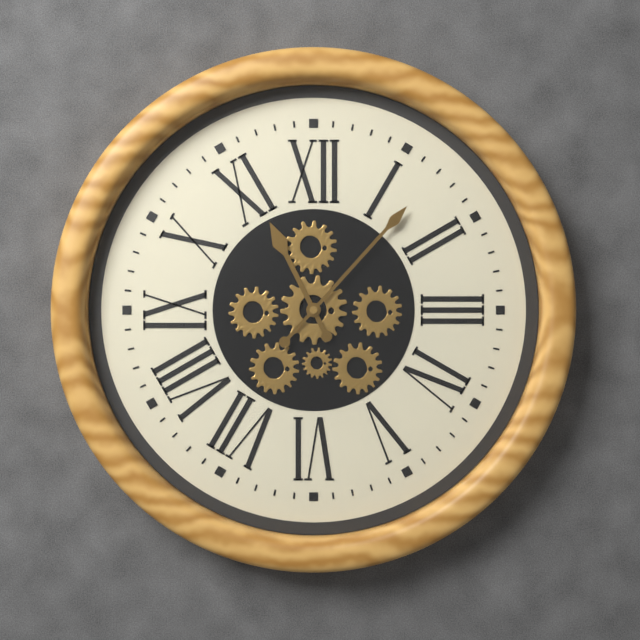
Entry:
11 h 07 min
